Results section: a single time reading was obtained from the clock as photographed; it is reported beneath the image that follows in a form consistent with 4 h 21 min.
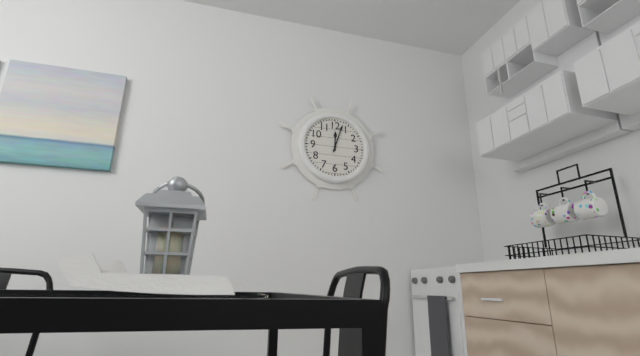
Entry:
12 h 03 min
